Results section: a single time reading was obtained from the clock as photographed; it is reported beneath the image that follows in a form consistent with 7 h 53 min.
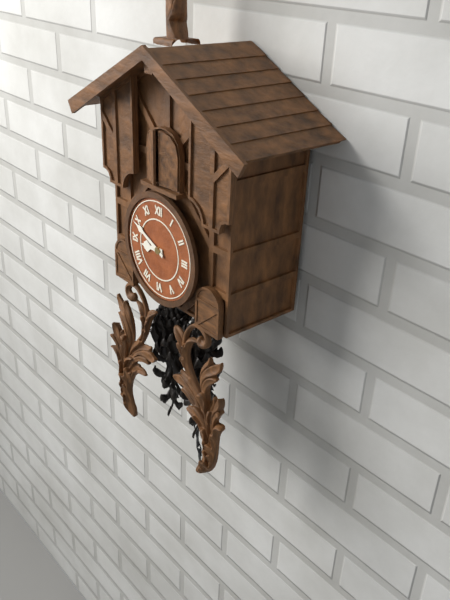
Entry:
8 h 49 min
